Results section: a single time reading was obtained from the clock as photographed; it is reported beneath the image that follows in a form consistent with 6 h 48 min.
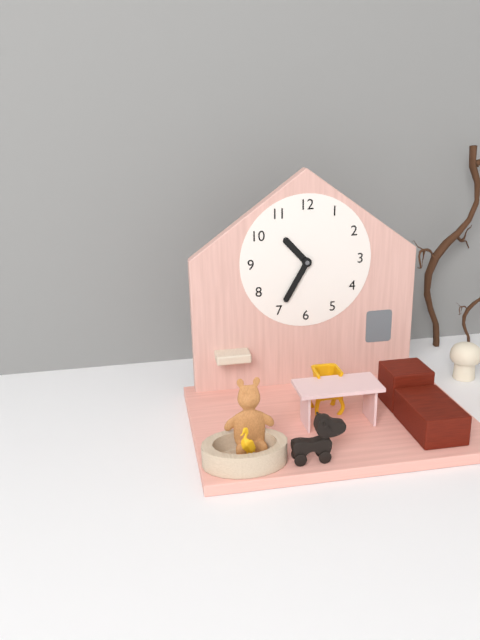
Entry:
10 h 35 min
